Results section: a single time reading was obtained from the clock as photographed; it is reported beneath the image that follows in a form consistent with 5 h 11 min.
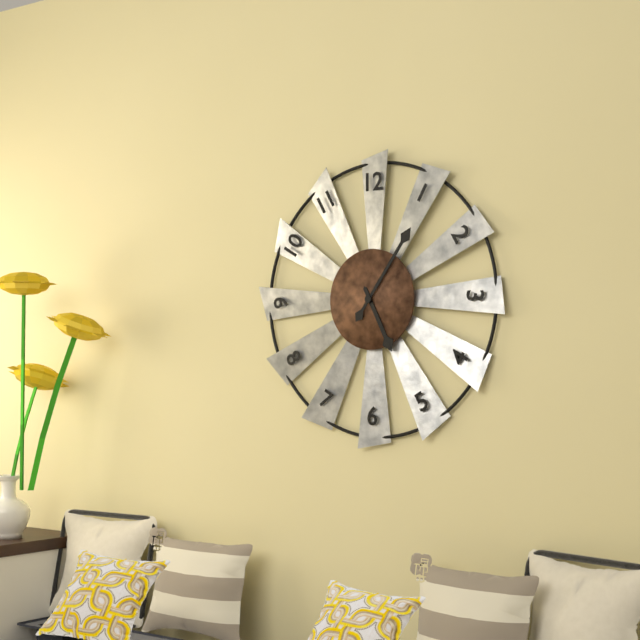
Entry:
5 h 06 min
